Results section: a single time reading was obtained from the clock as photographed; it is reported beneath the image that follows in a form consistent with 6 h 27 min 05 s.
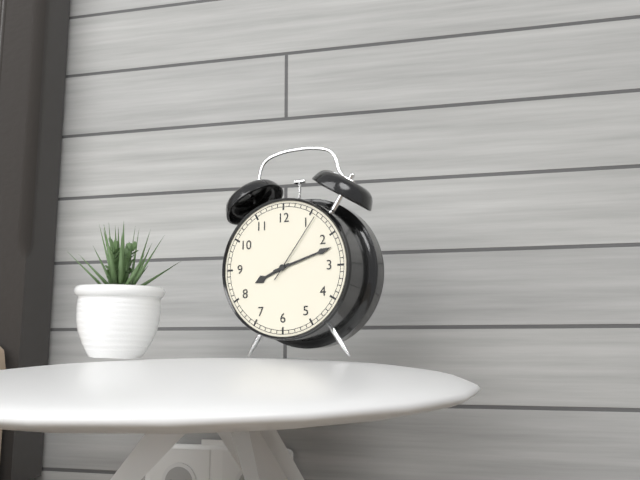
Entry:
8 h 12 min 06 s
